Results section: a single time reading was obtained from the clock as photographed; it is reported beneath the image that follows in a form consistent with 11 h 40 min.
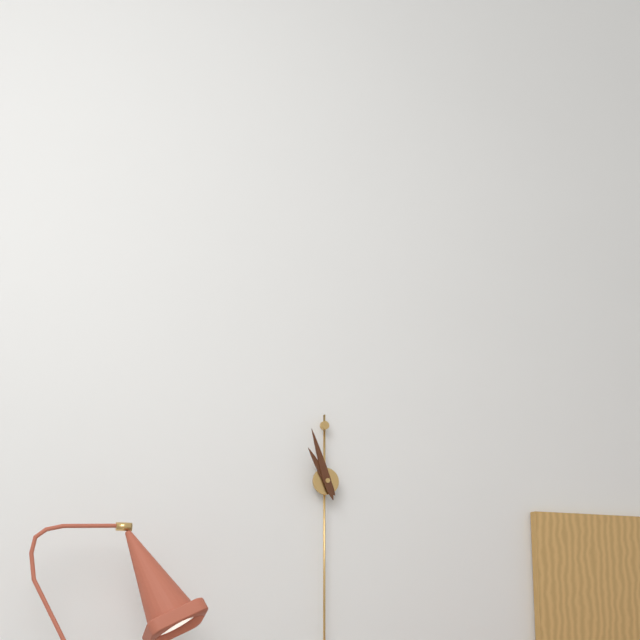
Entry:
10 h 57 min
